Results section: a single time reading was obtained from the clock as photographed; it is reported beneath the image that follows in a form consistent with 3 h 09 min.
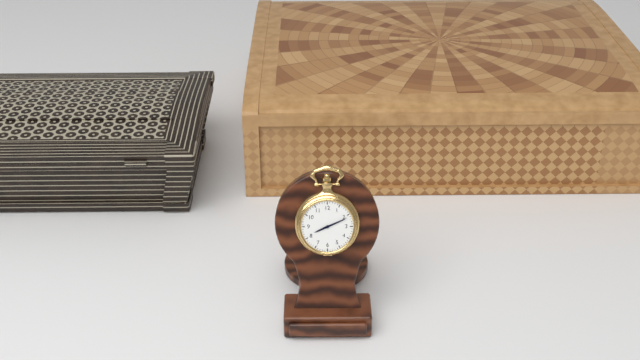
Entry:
8 h 11 min
